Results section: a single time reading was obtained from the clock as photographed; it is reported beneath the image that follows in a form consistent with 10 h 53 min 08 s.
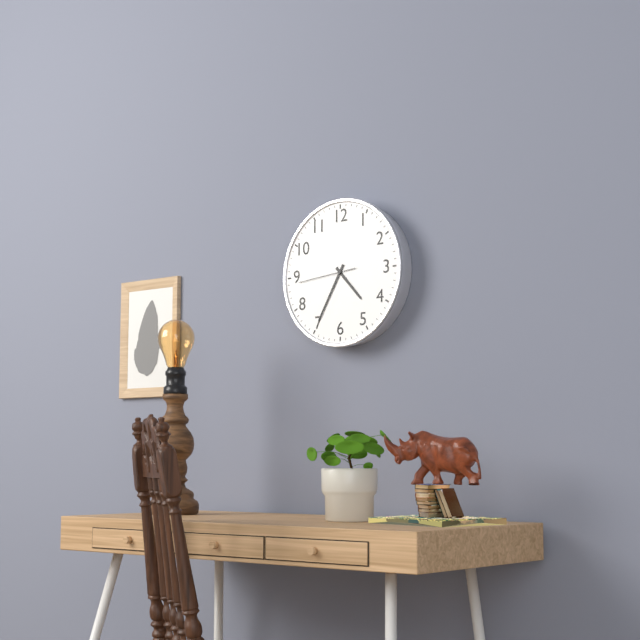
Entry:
4 h 35 min 44 s
